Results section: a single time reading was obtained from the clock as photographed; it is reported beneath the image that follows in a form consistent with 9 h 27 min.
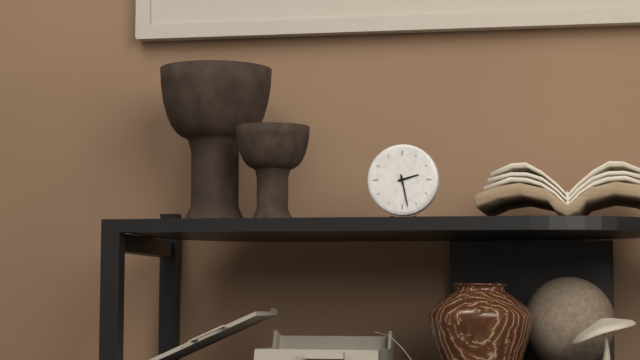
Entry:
2 h 28 min
